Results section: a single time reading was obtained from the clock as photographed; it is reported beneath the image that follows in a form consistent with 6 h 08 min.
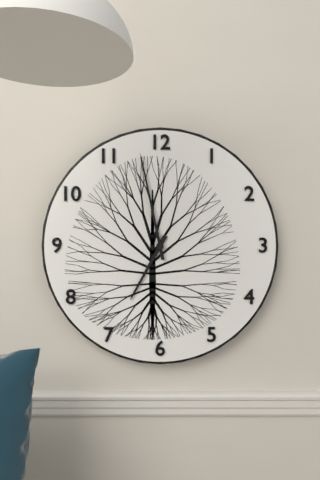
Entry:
6 h 58 min
